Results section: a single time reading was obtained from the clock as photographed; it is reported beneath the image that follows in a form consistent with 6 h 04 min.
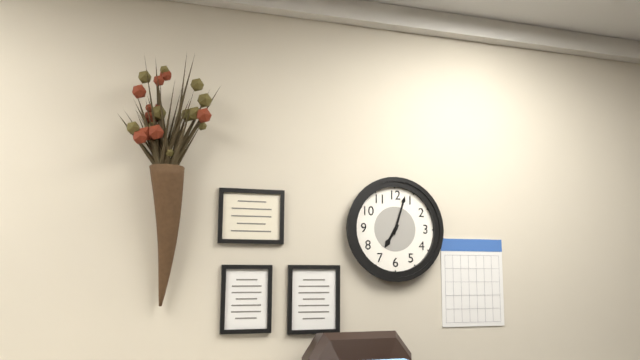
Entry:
7 h 03 min
